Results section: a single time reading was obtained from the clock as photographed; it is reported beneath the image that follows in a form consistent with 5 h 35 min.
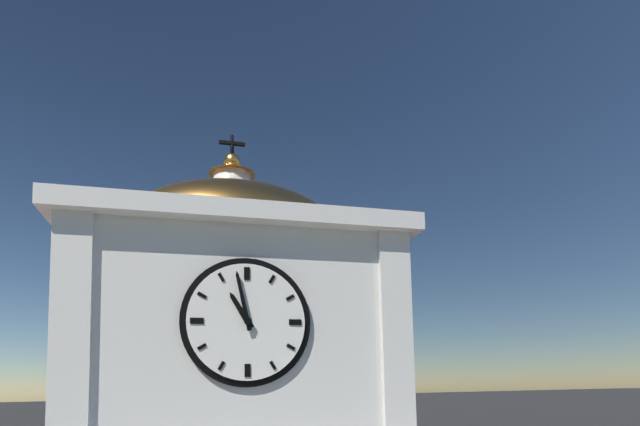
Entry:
10 h 58 min
